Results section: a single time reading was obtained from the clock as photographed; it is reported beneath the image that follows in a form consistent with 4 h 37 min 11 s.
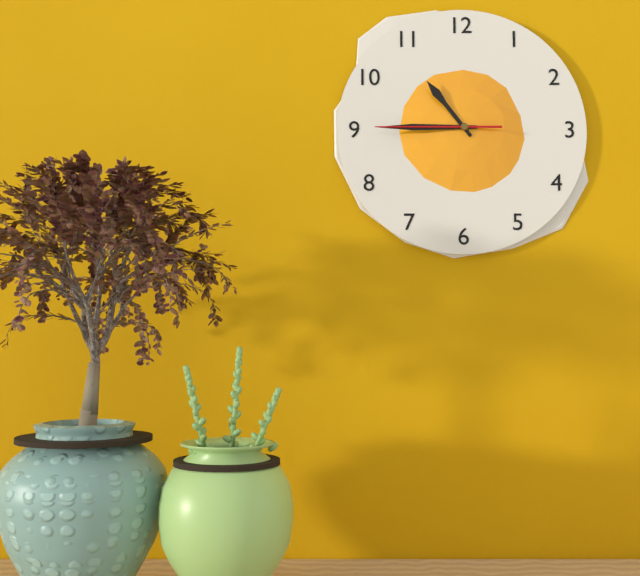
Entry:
10 h 45 min 45 s
